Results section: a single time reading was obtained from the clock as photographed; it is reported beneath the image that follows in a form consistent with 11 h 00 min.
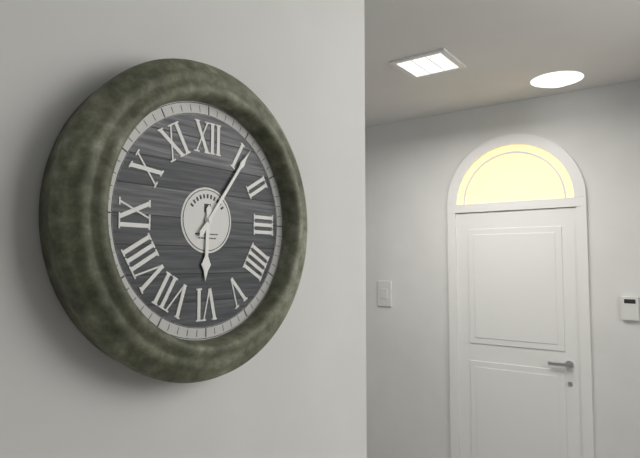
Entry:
6 h 06 min
